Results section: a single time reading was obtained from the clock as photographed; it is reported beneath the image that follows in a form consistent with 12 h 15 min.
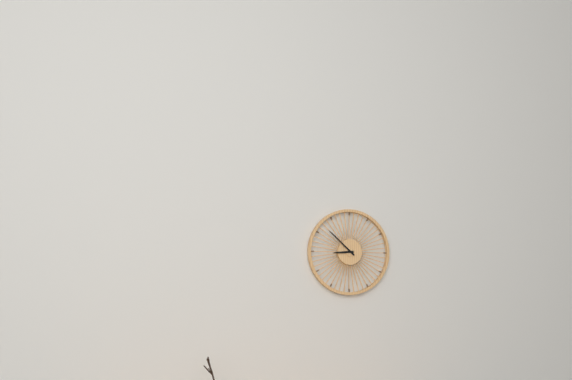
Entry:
8 h 52 min
